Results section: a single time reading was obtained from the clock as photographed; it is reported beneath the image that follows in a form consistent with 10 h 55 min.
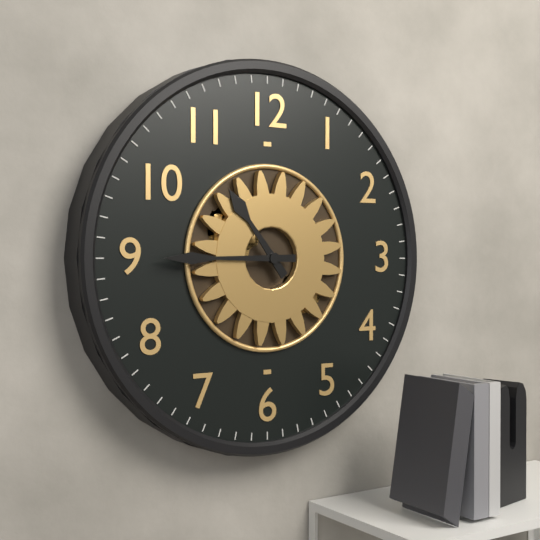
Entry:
10 h 45 min
